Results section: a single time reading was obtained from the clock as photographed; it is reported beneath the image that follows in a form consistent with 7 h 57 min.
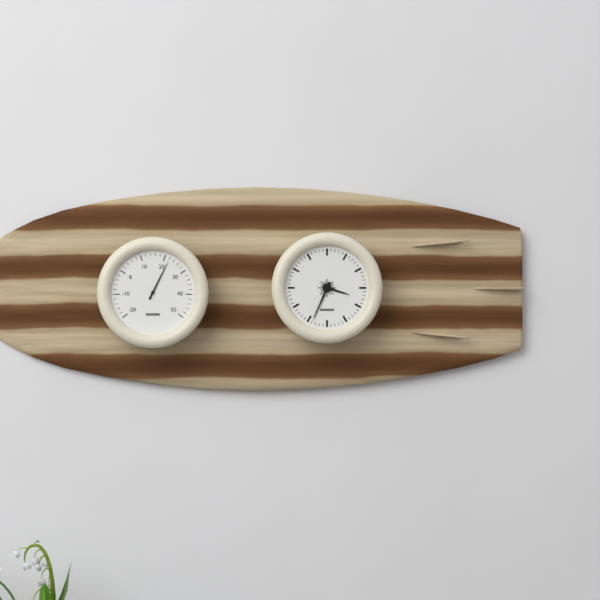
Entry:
3 h 34 min
